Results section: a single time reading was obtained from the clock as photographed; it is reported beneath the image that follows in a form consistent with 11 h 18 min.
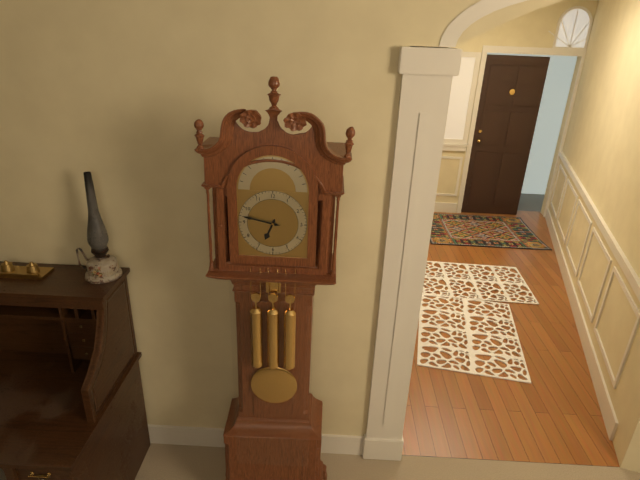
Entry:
6 h 47 min
